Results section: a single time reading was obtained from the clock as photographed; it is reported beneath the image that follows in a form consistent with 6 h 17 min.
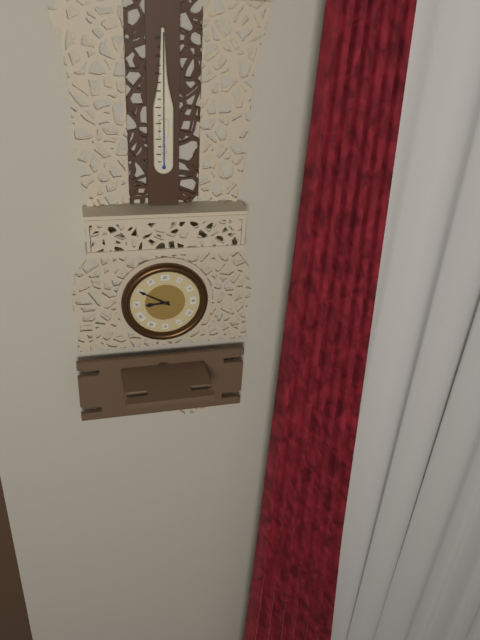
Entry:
8 h 50 min
